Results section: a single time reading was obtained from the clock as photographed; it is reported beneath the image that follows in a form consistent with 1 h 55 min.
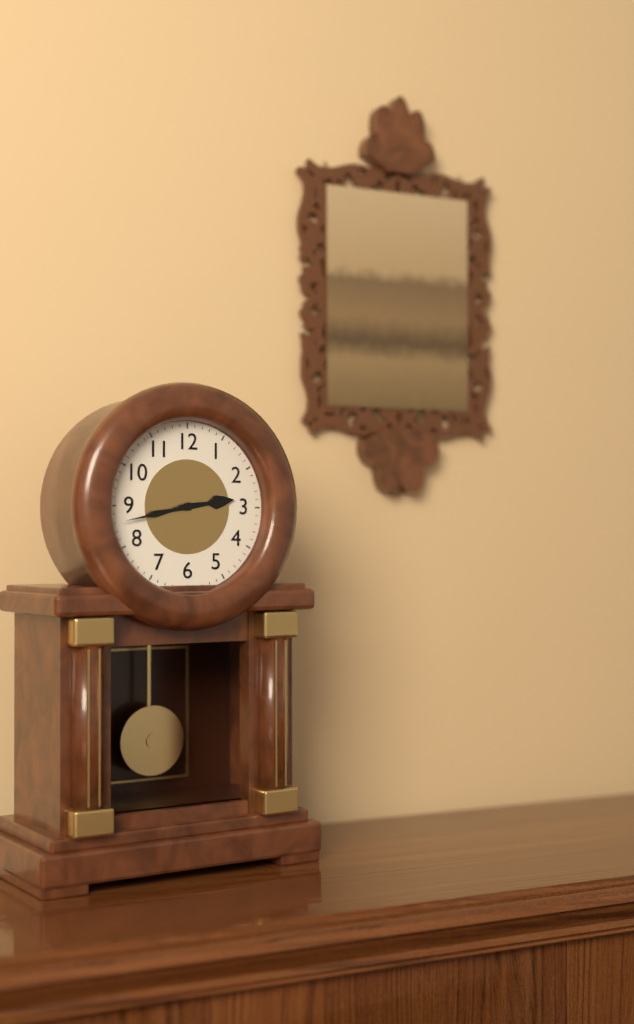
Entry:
2 h 43 min
